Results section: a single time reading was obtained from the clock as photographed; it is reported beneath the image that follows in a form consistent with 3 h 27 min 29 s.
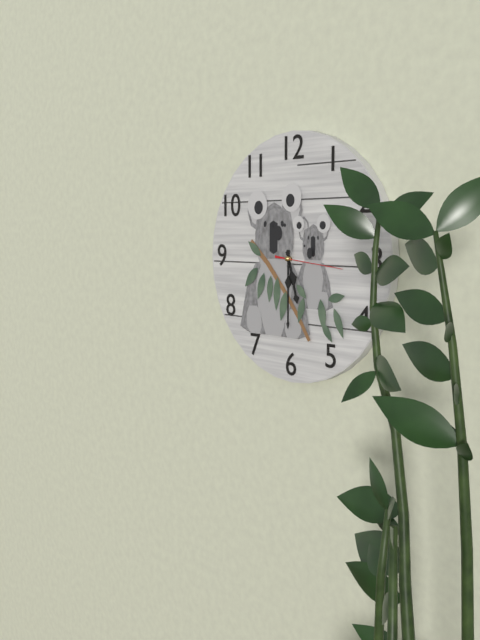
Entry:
5 h 30 min 16 s
